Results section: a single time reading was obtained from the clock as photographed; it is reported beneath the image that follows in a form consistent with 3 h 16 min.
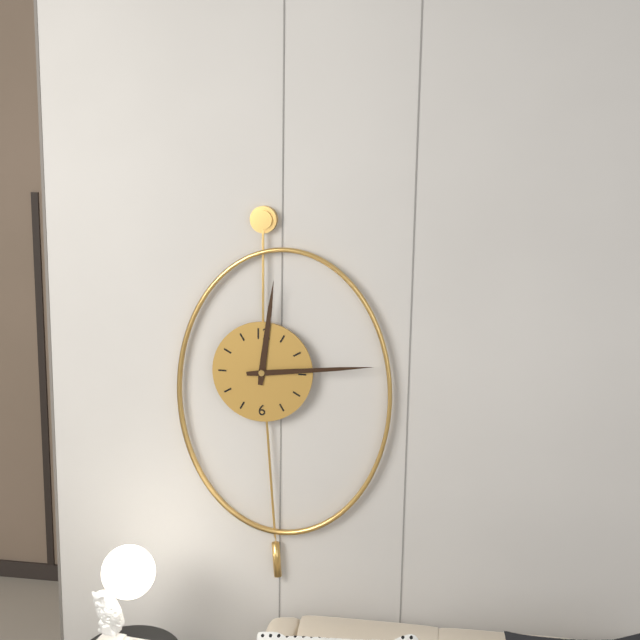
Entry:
12 h 14 min
